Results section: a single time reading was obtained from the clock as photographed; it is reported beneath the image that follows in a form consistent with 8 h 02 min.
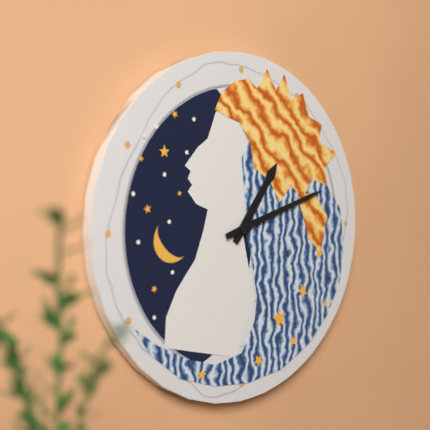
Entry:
1 h 12 min
